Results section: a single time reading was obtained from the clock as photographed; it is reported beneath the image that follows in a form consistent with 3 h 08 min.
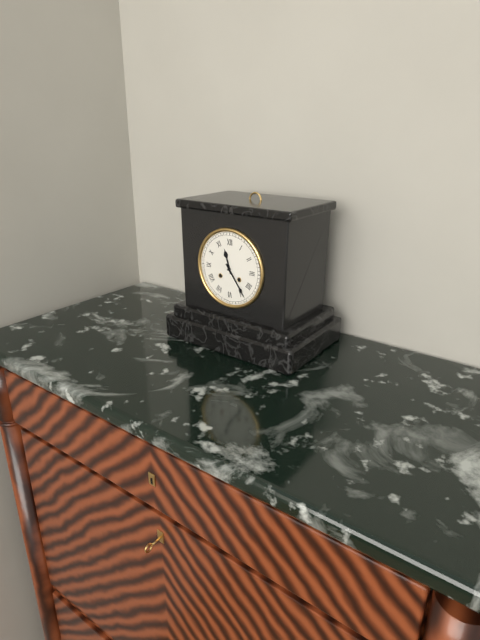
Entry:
11 h 24 min
